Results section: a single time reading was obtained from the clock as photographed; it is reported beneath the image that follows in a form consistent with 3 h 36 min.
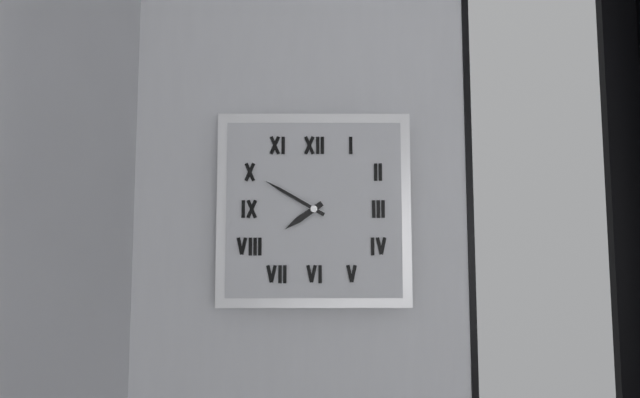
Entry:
7 h 50 min
